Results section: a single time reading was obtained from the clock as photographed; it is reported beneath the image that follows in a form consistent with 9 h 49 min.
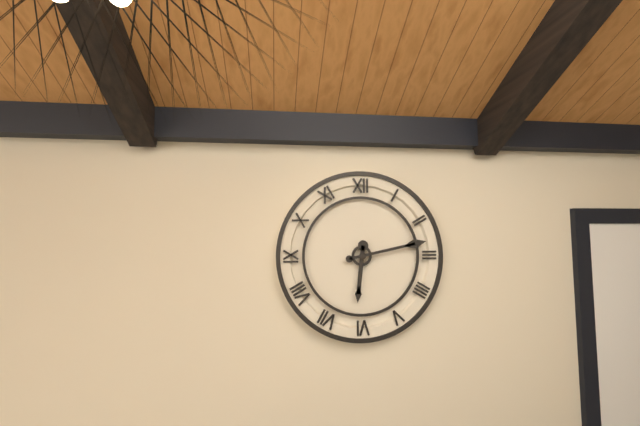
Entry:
6 h 13 min
